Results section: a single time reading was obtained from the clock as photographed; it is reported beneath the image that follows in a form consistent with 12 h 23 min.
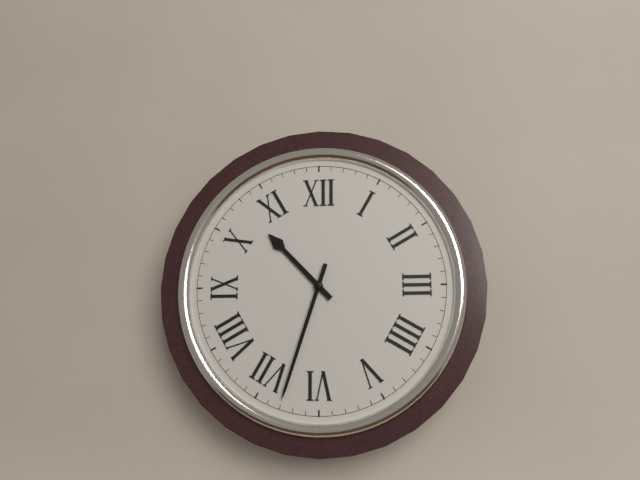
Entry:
10 h 33 min
